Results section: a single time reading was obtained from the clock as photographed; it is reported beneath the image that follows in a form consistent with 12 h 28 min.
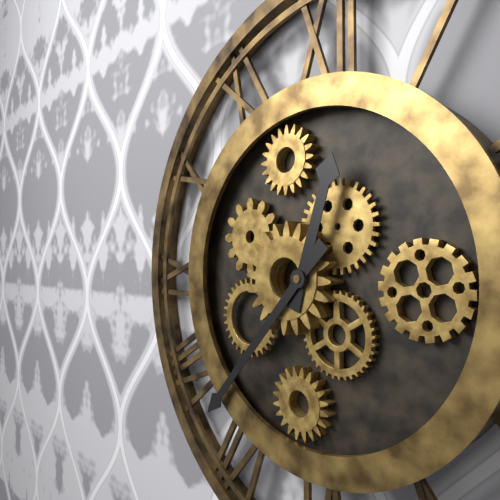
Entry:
12 h 37 min
